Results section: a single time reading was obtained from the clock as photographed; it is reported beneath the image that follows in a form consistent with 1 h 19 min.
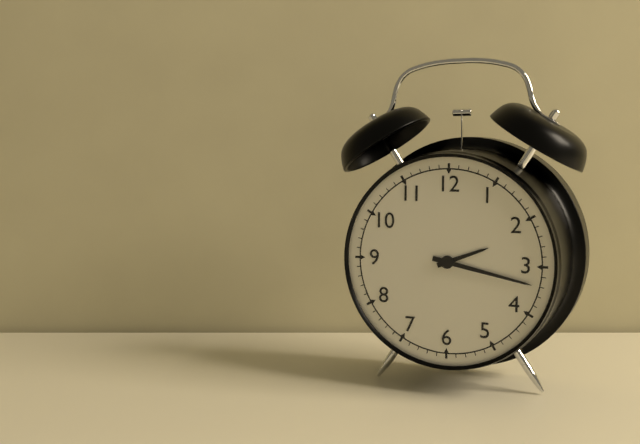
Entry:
2 h 17 min
